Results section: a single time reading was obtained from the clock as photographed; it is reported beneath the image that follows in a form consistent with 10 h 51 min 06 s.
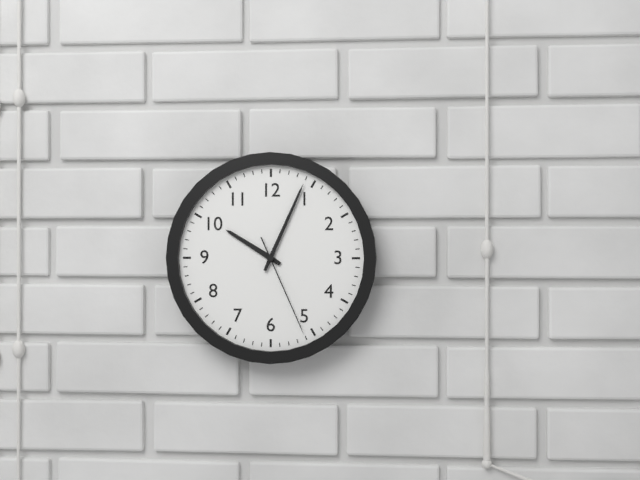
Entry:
10 h 04 min 26 s
